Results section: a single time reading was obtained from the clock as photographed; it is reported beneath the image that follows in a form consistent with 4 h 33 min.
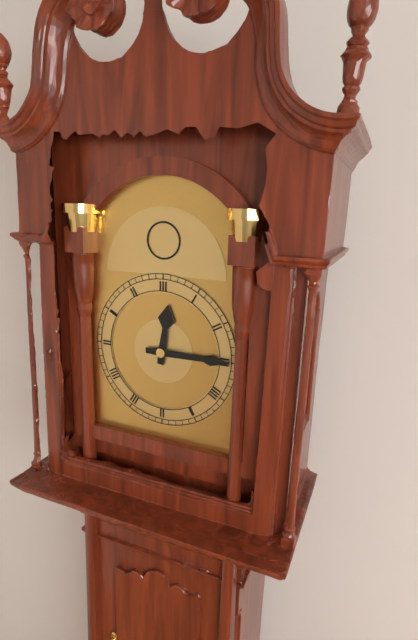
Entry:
12 h 15 min
